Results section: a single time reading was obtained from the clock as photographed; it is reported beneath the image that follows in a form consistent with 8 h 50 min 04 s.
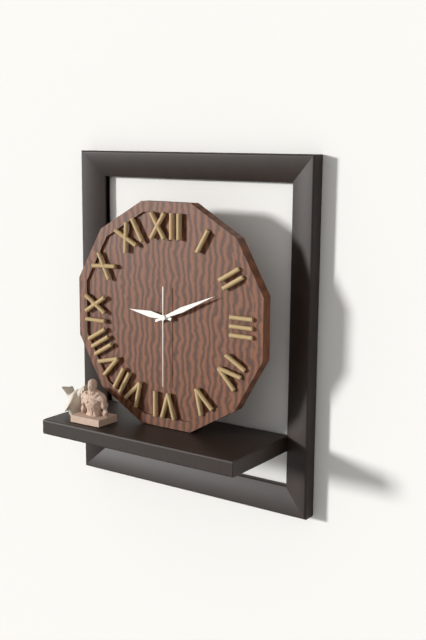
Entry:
9 h 11 min 30 s
